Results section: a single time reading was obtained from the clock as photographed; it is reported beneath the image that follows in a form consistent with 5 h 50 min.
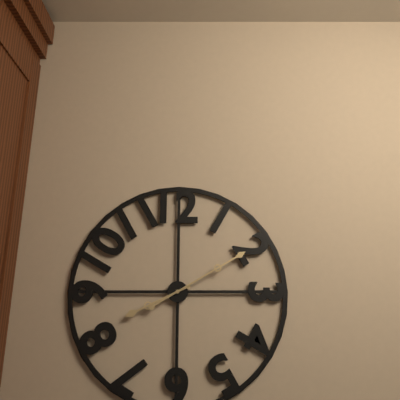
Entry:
8 h 10 min
